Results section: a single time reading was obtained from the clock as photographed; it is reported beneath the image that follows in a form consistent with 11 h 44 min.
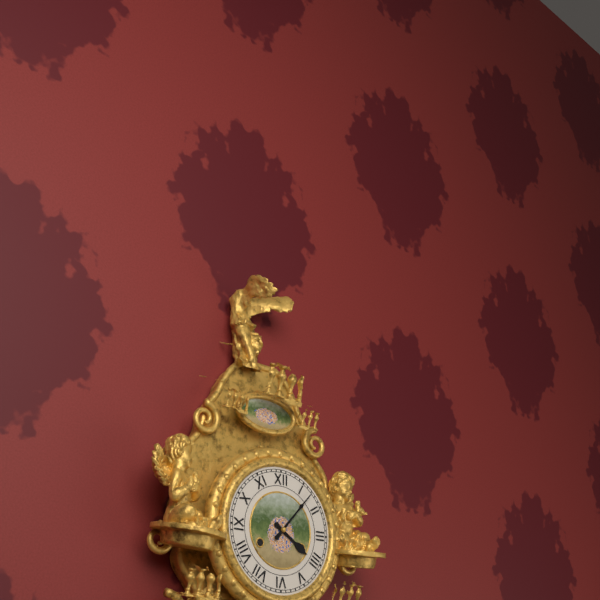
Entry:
4 h 07 min
